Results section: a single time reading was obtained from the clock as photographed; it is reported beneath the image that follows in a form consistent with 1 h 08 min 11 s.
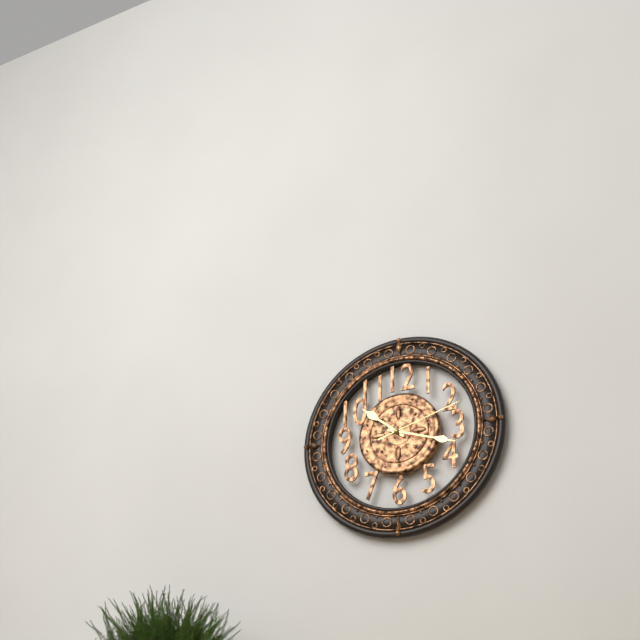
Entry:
10 h 18 min 12 s
